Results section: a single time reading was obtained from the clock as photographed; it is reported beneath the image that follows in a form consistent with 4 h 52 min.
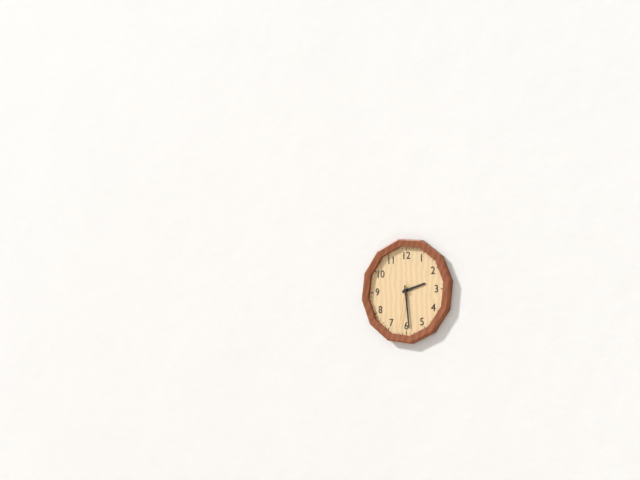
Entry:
2 h 29 min
